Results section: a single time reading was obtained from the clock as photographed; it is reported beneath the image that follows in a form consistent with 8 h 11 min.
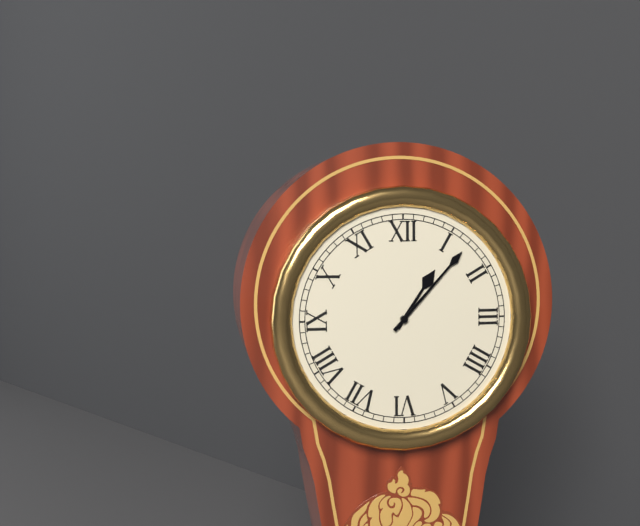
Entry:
1 h 07 min
